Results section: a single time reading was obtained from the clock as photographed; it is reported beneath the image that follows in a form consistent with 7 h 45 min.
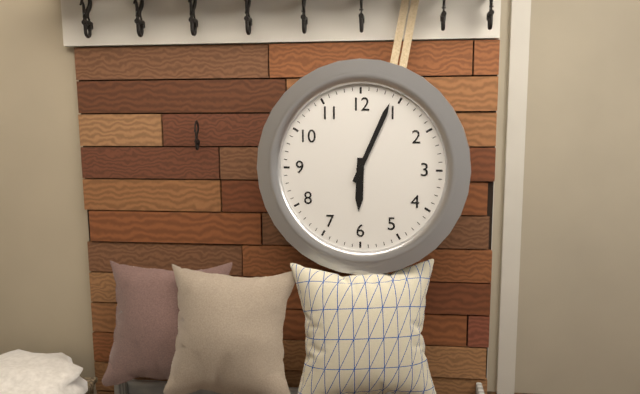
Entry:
6 h 04 min
